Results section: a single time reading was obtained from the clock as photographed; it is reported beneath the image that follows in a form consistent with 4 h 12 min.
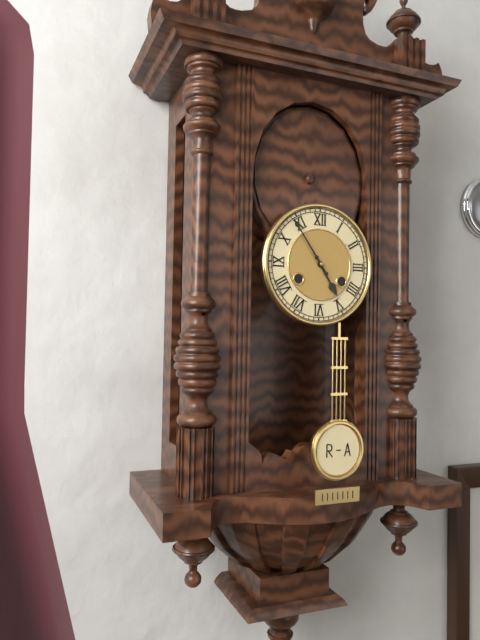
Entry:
4 h 54 min
